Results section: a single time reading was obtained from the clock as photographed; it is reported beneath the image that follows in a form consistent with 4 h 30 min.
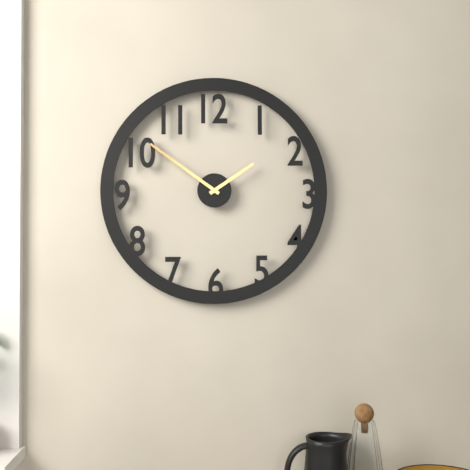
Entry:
1 h 51 min
